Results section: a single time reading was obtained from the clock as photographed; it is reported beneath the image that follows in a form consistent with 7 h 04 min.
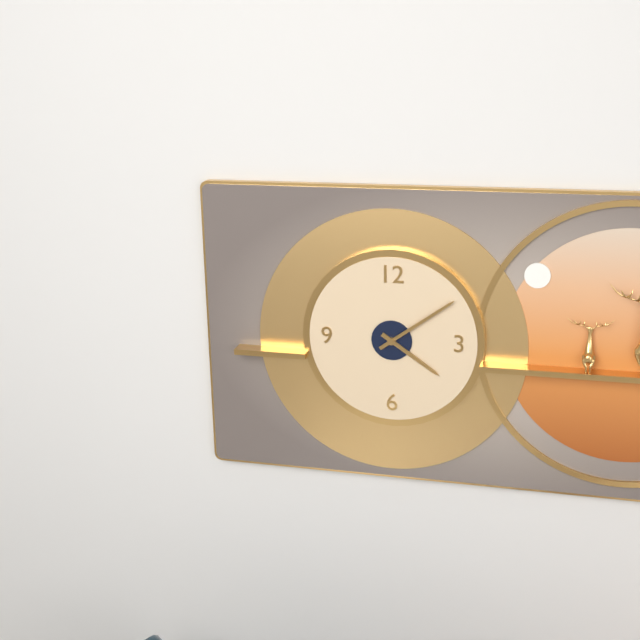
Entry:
4 h 09 min
